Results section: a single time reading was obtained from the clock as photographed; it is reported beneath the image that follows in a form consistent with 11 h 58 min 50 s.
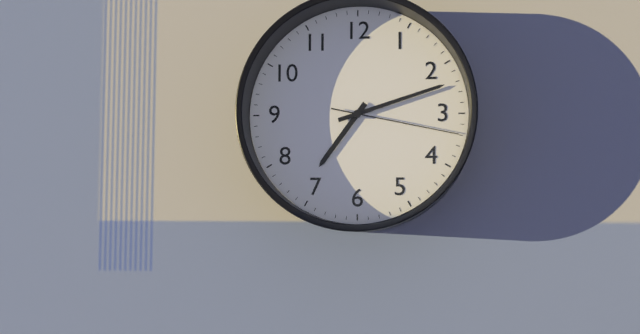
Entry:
7 h 12 min 17 s
